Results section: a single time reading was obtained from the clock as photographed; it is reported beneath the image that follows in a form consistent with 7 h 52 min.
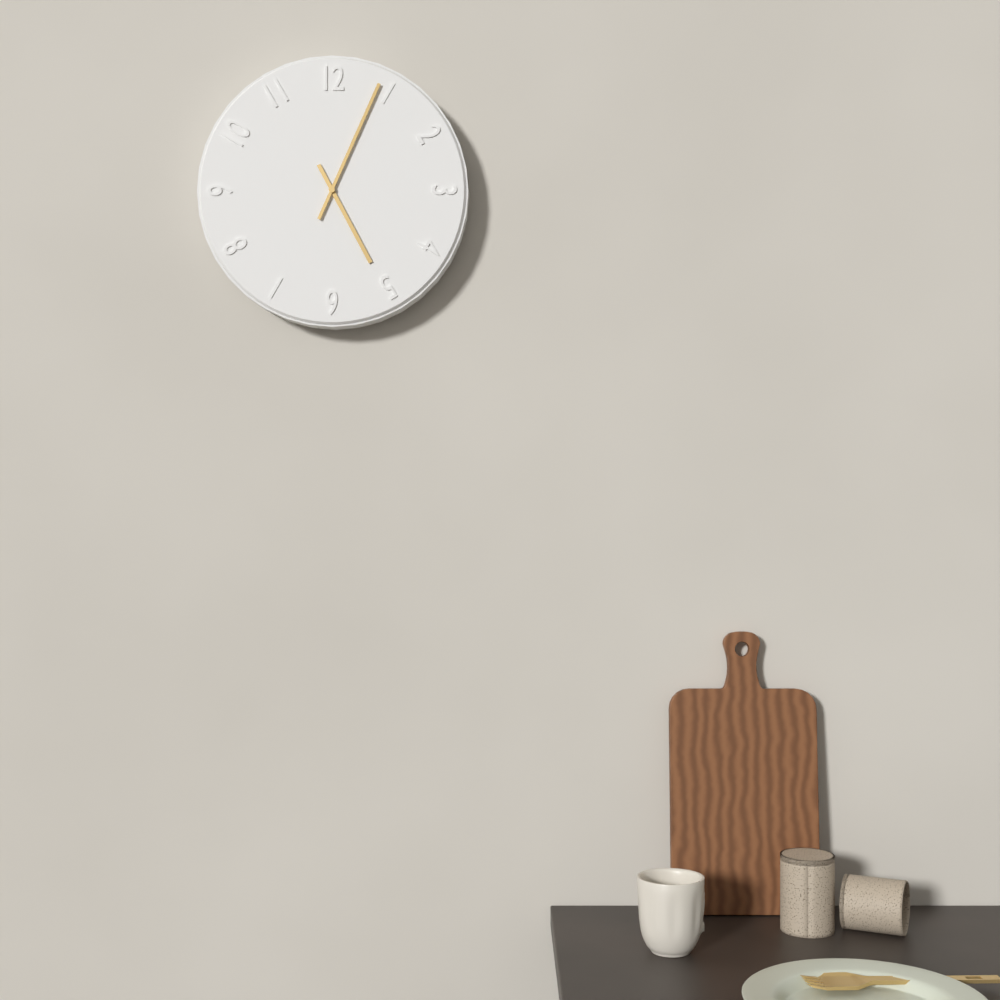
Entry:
5 h 04 min
